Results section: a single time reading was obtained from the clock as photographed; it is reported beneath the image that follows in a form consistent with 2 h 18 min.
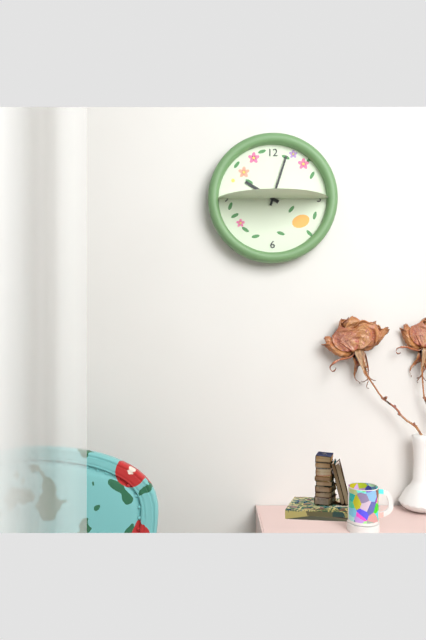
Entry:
10 h 03 min
